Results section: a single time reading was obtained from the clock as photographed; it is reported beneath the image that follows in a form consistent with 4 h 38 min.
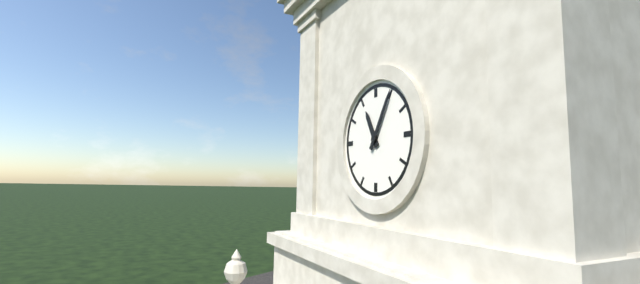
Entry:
11 h 05 min
